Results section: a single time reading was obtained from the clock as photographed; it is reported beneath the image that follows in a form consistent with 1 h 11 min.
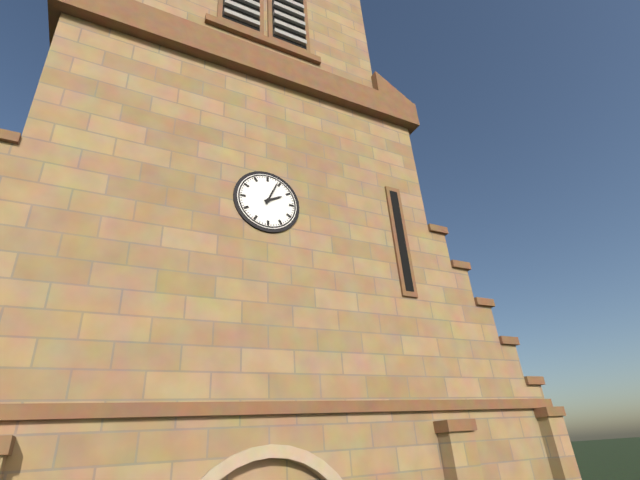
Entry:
2 h 04 min
